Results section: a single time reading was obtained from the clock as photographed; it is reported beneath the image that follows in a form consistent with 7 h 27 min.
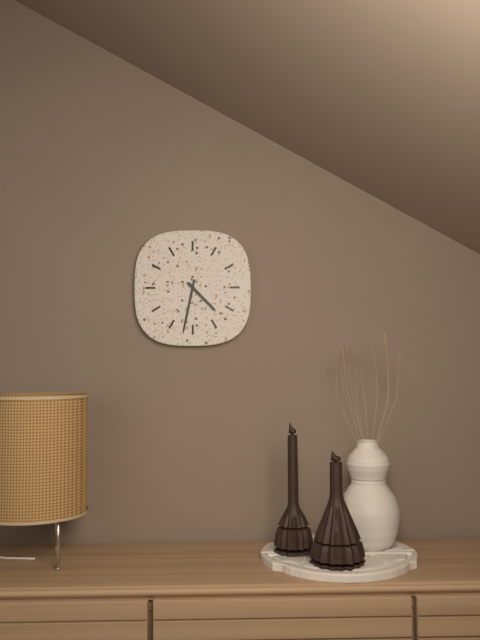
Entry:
4 h 32 min
